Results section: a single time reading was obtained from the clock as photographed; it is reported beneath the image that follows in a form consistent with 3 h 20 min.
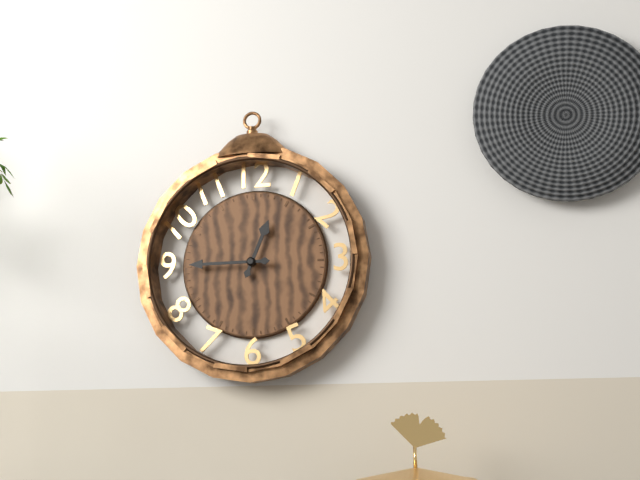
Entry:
12 h 45 min
